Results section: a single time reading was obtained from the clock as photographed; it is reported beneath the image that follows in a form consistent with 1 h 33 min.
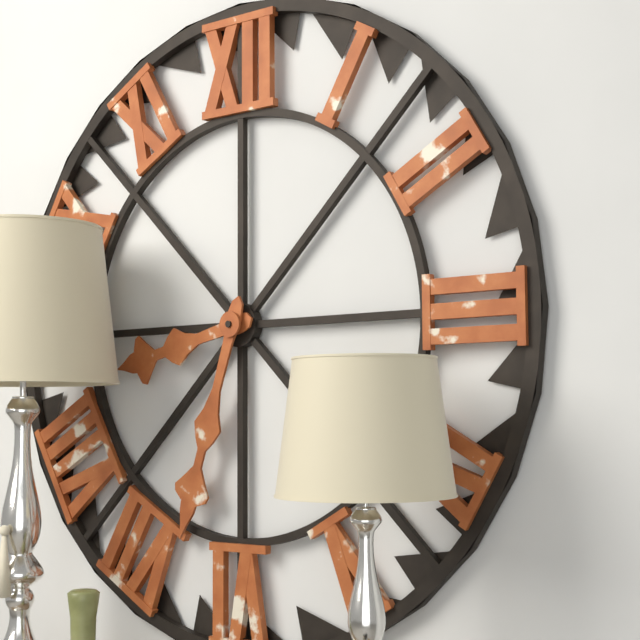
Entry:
8 h 33 min
